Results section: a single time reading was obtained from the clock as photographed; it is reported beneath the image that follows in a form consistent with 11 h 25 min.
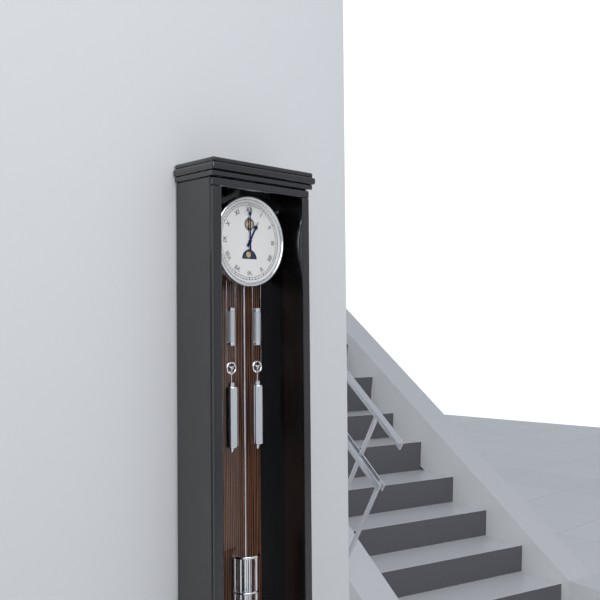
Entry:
1 h 00 min
